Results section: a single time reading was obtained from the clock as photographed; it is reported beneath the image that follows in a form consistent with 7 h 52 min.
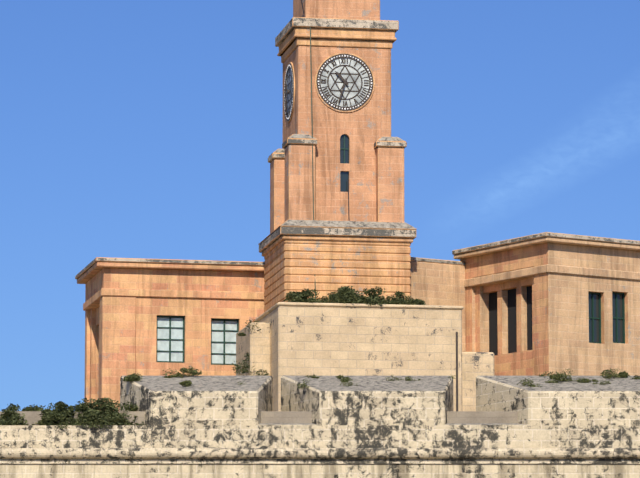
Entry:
10 h 33 min
